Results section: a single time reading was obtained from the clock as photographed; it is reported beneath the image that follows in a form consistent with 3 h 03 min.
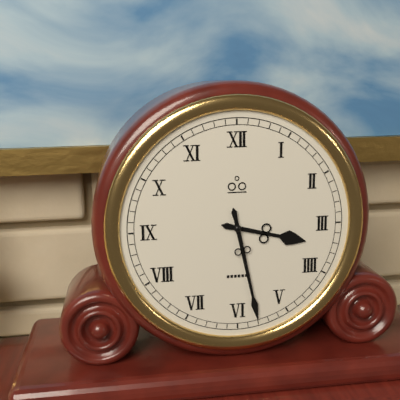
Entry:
3 h 28 min
